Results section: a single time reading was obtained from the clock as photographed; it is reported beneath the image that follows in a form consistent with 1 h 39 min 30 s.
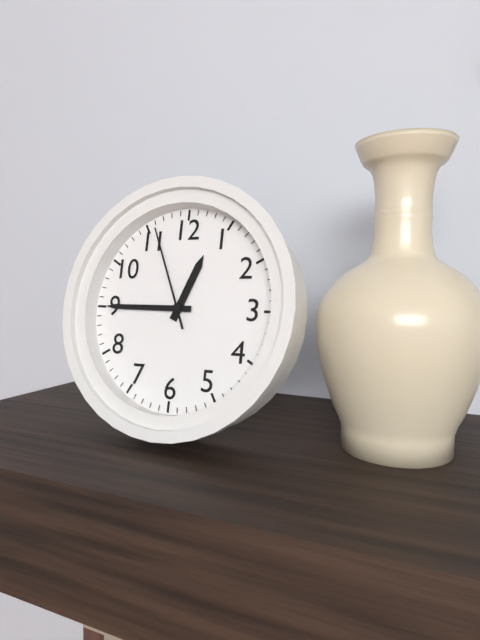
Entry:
12 h 45 min 56 s
